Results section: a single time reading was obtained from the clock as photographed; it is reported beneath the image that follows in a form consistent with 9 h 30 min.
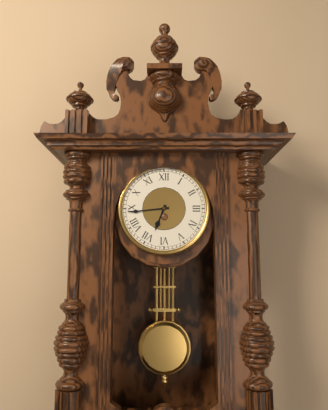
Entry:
6 h 44 min
